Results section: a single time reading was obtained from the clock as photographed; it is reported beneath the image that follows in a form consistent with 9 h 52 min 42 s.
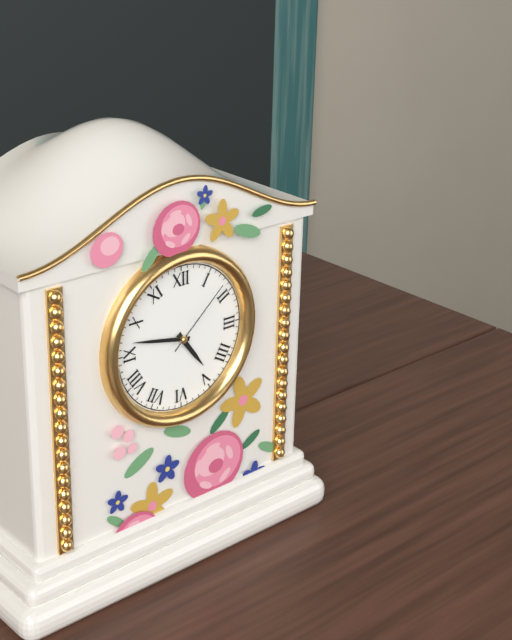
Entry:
4 h 47 min 08 s
